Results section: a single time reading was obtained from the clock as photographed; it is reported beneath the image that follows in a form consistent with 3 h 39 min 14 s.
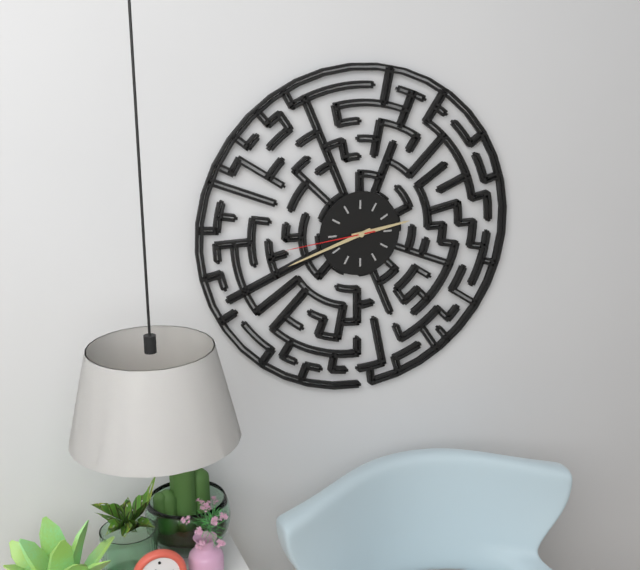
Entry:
2 h 42 min 44 s
